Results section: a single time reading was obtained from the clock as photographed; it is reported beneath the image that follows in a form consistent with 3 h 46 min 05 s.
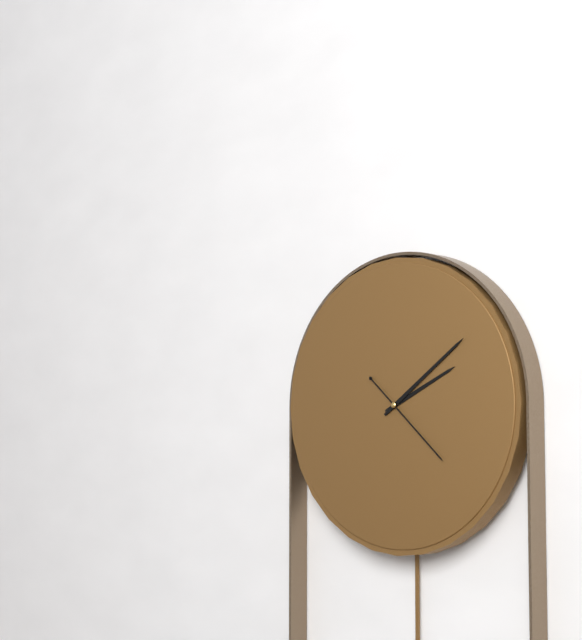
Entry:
2 h 09 min 22 s
